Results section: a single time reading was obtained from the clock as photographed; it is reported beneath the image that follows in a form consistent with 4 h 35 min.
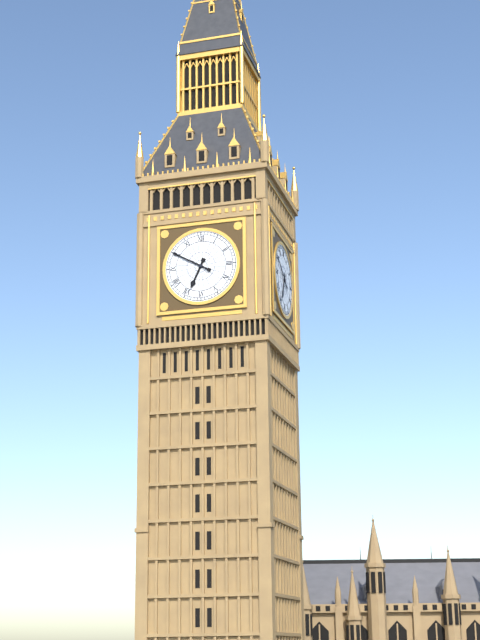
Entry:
6 h 50 min
